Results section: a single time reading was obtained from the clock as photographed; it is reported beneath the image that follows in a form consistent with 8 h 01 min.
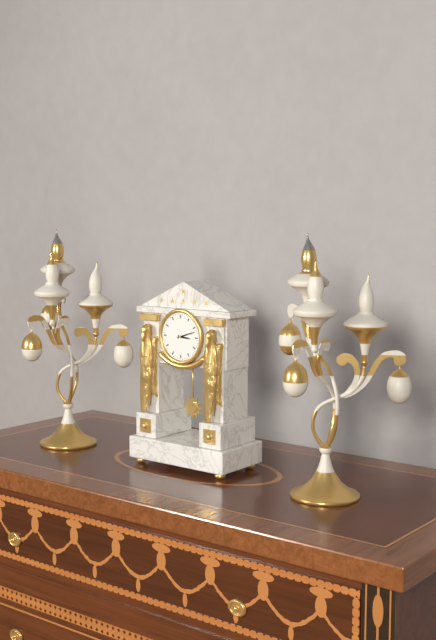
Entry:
3 h 12 min
